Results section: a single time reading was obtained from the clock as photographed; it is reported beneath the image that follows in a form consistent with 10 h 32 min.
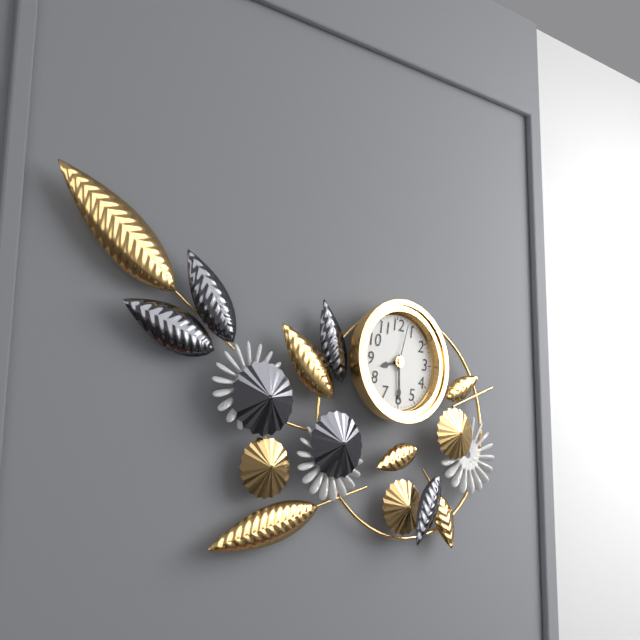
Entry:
8 h 30 min
